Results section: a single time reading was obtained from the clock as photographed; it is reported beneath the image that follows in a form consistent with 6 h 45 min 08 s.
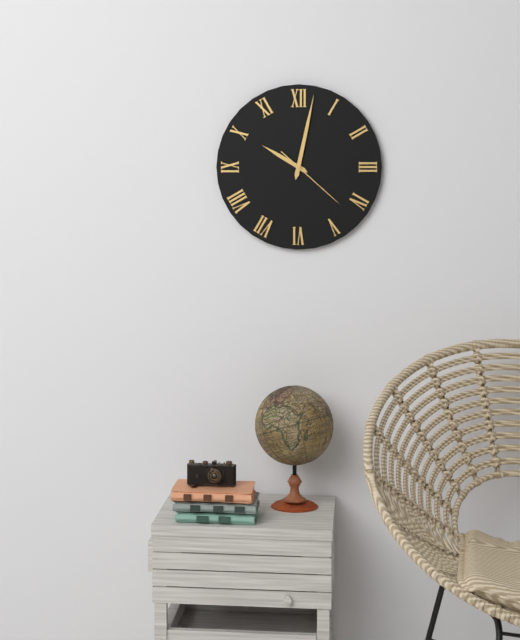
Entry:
10 h 02 min 22 s
